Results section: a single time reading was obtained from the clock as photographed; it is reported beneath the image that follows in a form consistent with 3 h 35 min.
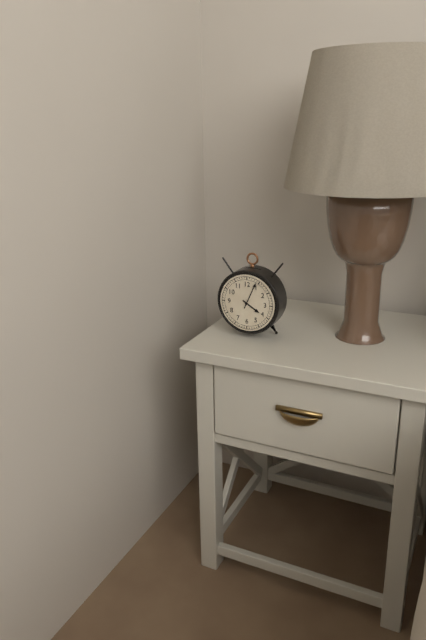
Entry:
4 h 04 min
